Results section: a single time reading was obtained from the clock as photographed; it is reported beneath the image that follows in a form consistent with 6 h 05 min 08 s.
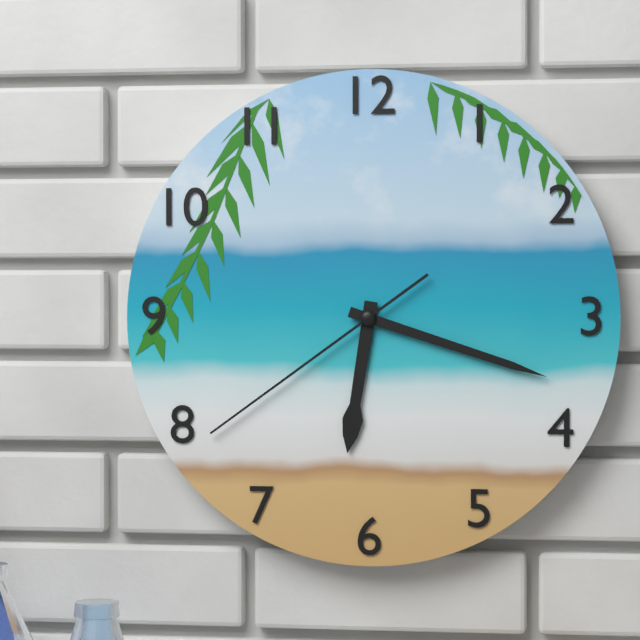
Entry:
6 h 18 min 39 s
